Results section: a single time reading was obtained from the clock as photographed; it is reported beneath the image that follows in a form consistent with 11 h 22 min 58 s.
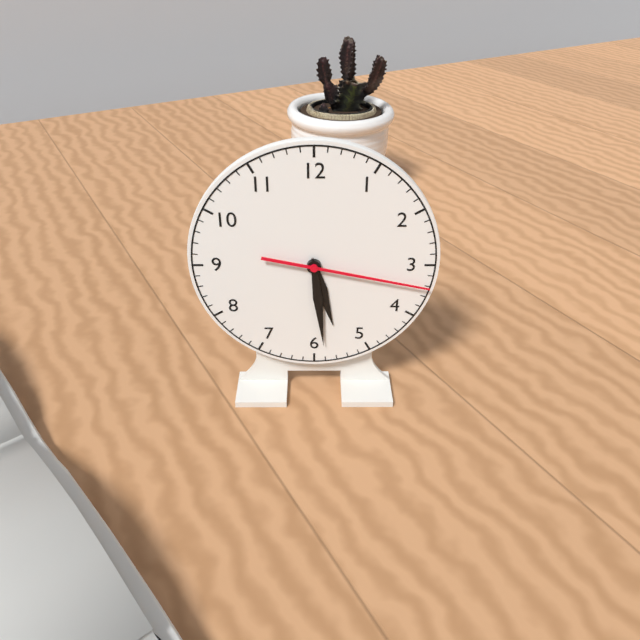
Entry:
5 h 29 min 17 s
